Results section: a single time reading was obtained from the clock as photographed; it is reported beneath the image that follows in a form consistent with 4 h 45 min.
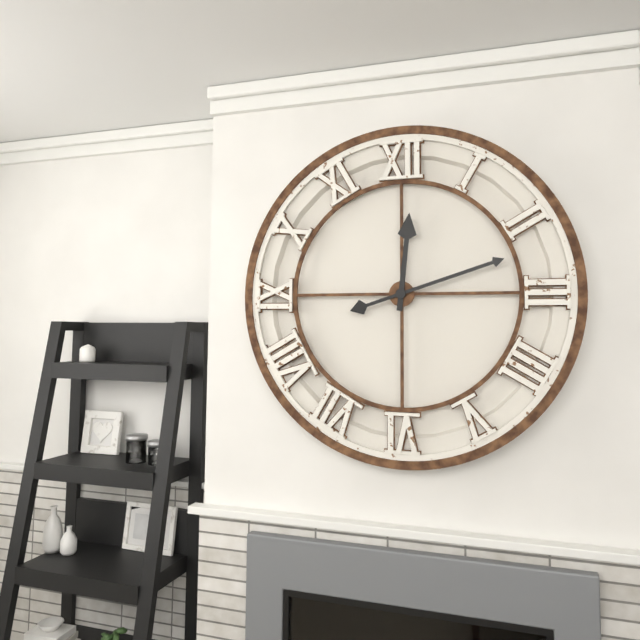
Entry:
12 h 12 min
